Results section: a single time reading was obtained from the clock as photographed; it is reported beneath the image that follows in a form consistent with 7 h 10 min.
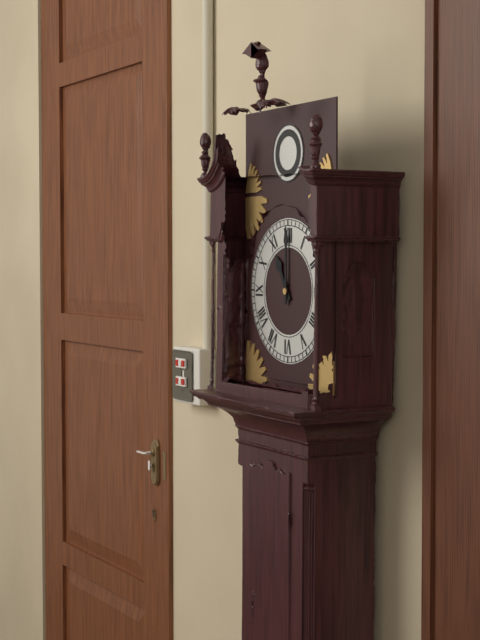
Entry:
11 h 00 min
